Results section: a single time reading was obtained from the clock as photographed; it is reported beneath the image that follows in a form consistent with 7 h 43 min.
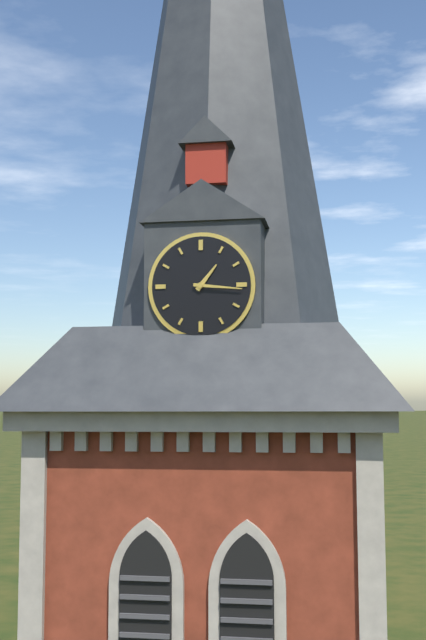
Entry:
1 h 16 min
